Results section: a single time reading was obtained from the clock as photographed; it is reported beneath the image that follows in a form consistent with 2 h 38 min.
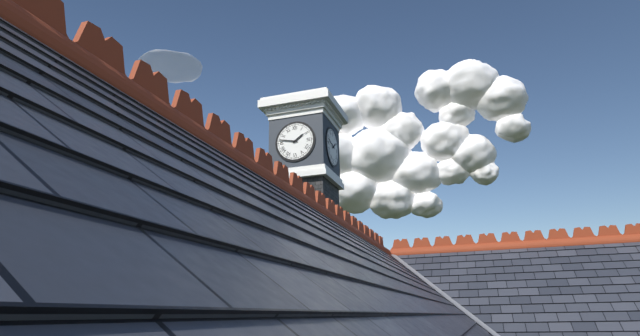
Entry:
1 h 47 min
